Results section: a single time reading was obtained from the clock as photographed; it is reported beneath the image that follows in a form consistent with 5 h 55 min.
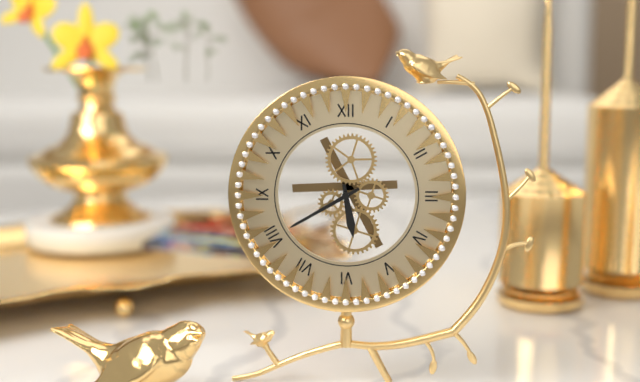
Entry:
5 h 40 min
